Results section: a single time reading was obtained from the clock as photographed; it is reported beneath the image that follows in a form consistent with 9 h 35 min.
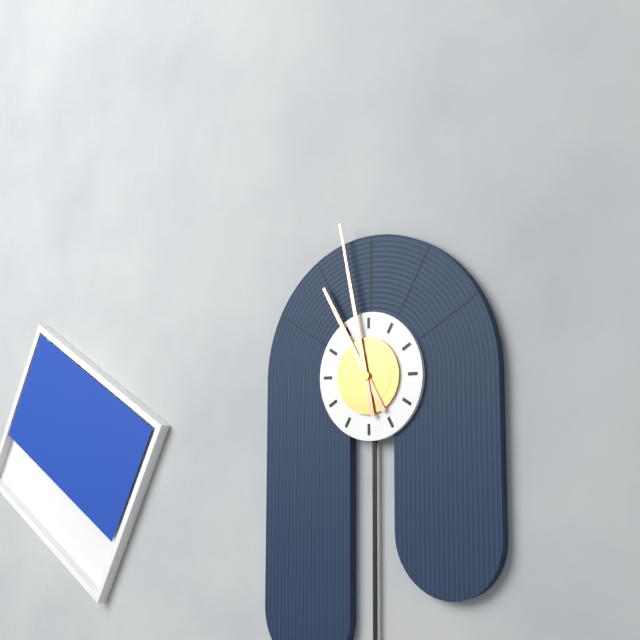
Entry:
10 h 58 min
